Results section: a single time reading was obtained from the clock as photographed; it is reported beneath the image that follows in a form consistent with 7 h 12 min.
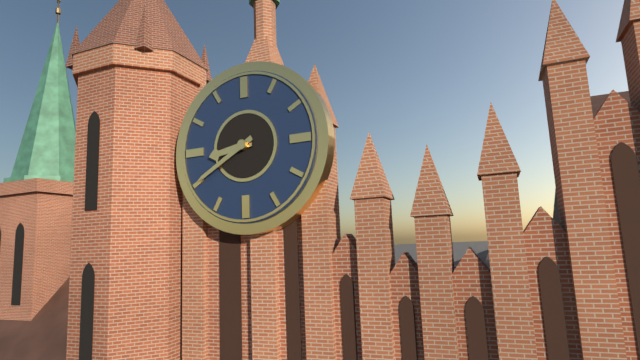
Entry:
8 h 40 min
